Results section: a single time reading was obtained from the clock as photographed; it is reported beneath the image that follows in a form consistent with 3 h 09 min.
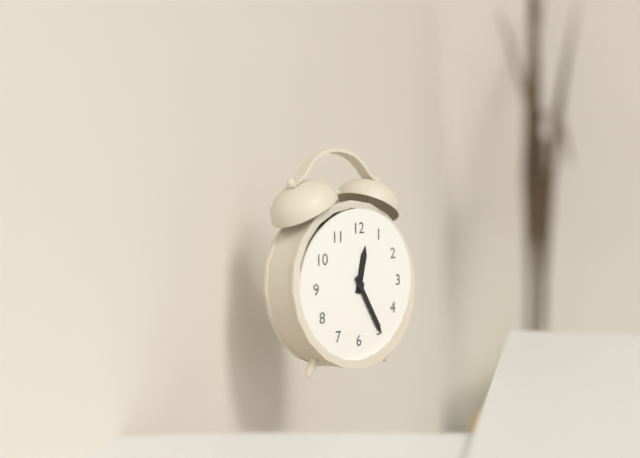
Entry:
12 h 25 min
